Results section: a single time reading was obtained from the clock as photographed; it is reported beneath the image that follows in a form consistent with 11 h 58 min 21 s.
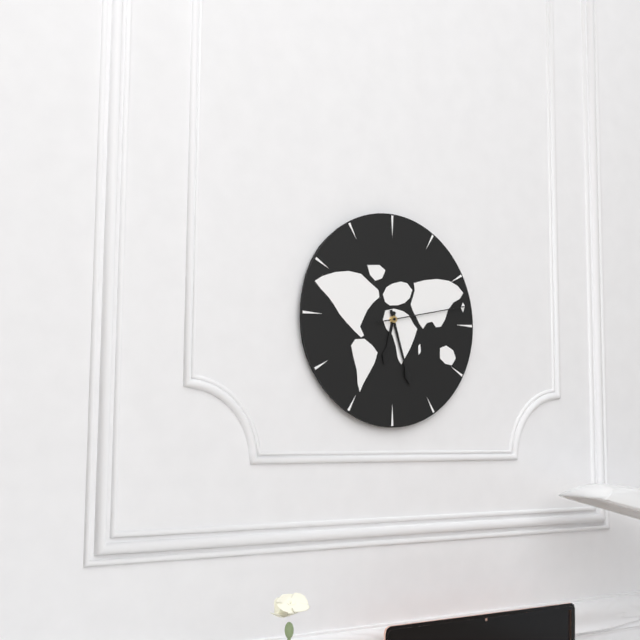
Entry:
6 h 27 min 13 s
